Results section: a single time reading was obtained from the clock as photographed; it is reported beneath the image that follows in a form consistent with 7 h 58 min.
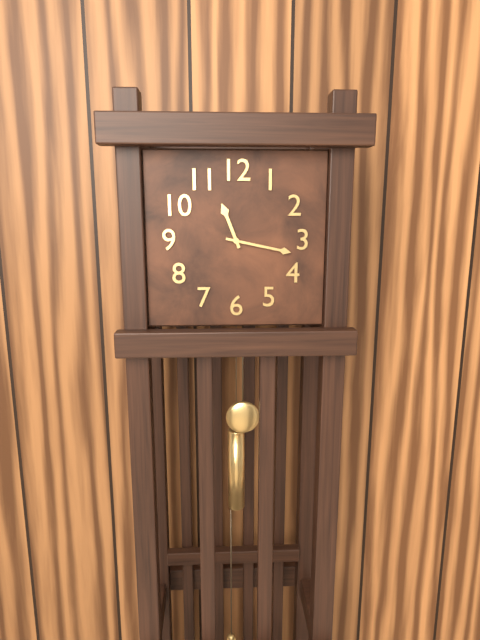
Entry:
11 h 17 min
